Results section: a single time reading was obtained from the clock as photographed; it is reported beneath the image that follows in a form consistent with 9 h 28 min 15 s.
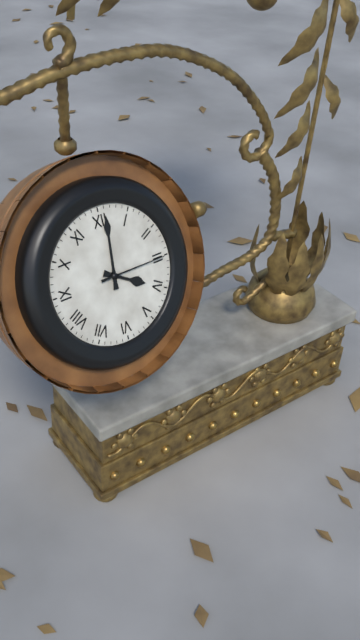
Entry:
4 h 01 min 15 s
